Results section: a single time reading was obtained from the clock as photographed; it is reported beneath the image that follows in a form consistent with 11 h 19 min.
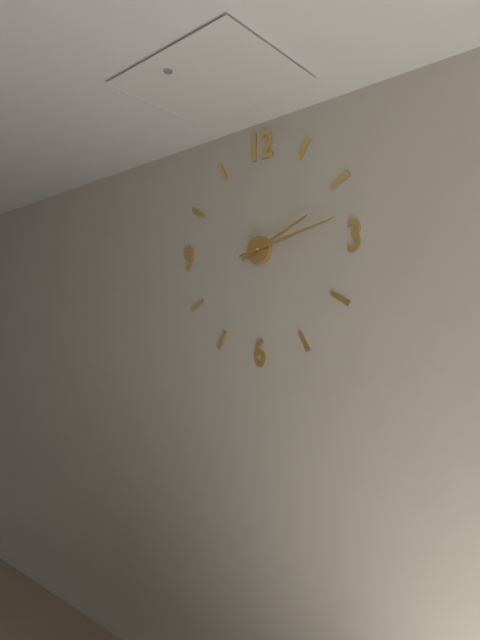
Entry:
2 h 13 min
